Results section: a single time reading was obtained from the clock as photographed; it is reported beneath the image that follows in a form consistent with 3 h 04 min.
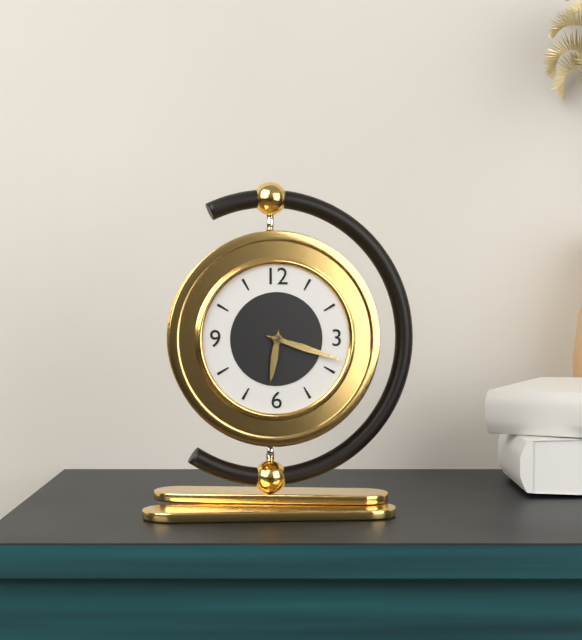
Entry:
6 h 18 min
